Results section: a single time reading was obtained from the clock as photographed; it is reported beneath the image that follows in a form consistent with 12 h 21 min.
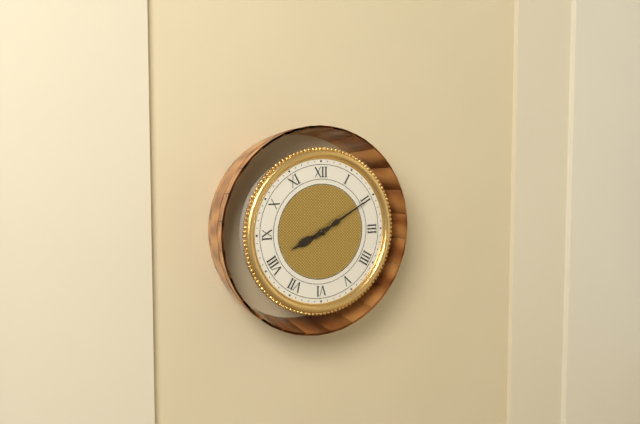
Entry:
8 h 10 min
